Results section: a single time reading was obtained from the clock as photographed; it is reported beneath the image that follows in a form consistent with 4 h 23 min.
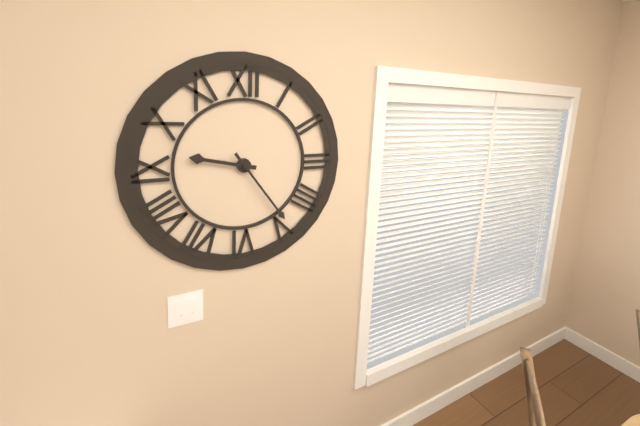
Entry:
9 h 24 min
